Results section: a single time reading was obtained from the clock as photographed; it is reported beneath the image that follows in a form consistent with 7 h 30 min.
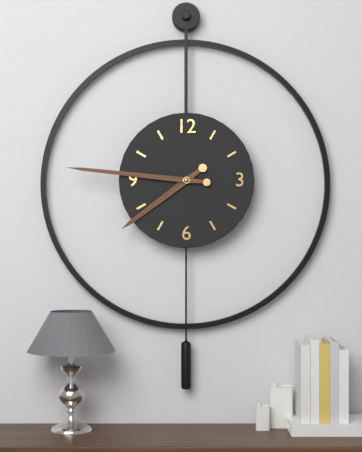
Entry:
7 h 46 min
